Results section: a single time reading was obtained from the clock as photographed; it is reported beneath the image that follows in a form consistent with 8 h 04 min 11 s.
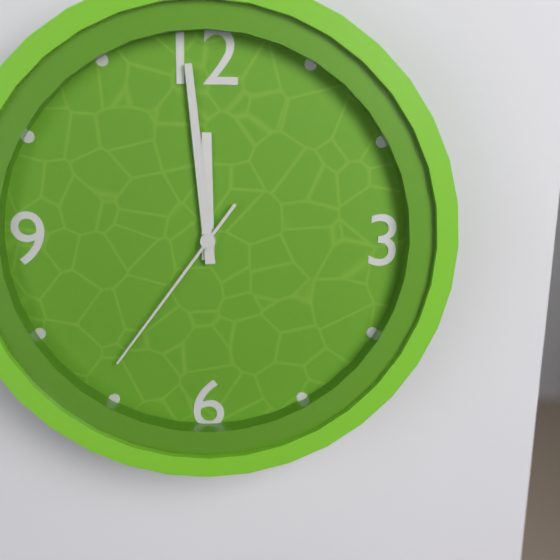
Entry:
11 h 59 min 36 s
